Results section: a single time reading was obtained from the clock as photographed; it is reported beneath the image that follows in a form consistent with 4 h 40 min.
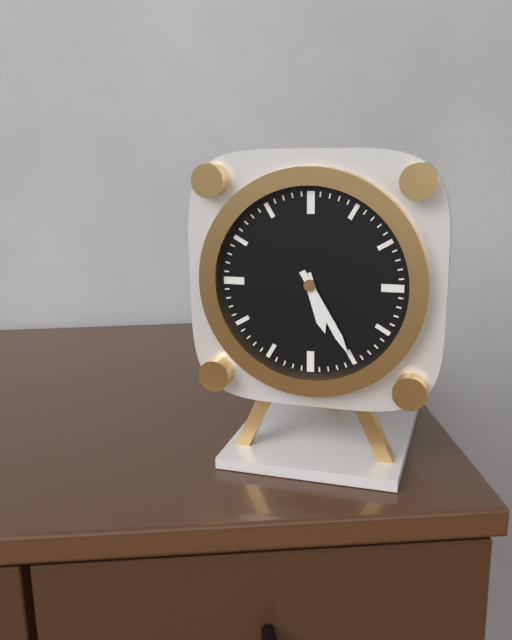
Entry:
5 h 25 min
